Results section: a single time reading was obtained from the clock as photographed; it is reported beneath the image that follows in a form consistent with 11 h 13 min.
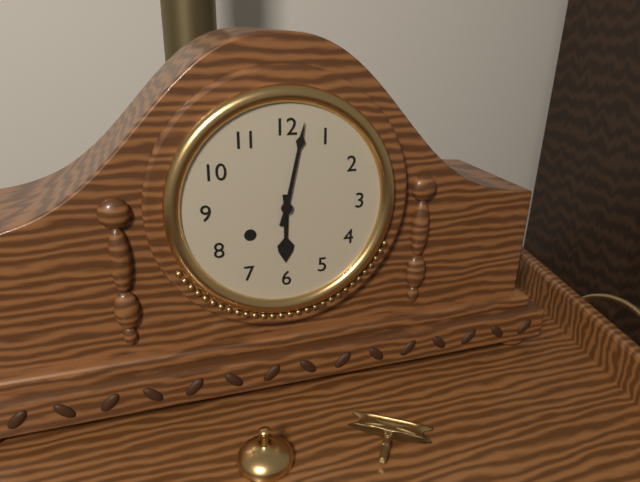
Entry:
6 h 02 min
